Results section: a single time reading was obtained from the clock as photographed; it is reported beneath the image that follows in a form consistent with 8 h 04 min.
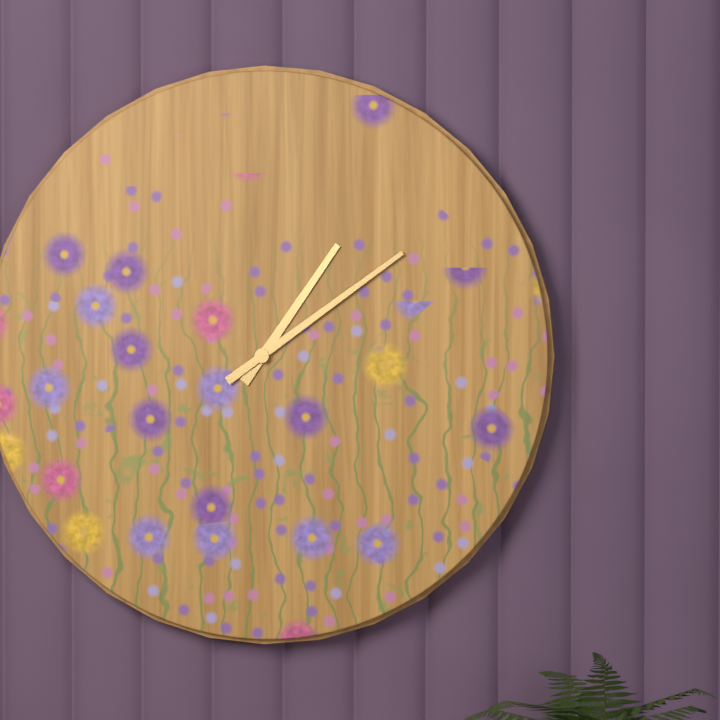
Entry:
1 h 09 min
